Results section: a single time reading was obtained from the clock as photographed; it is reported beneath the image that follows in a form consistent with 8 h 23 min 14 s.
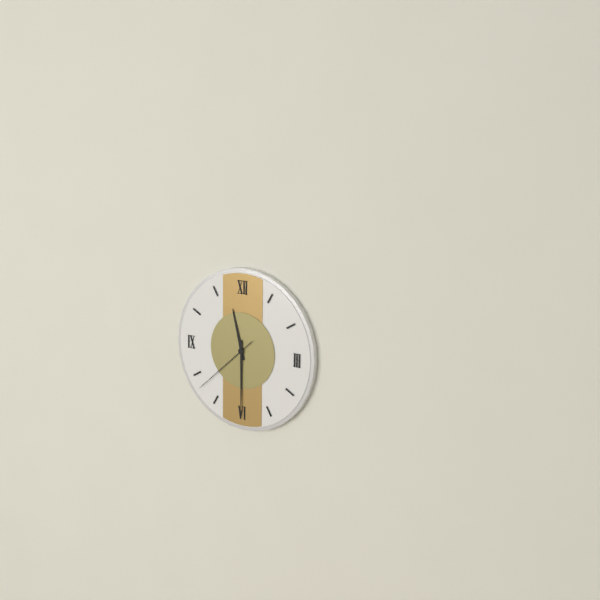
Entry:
11 h 30 min 38 s
